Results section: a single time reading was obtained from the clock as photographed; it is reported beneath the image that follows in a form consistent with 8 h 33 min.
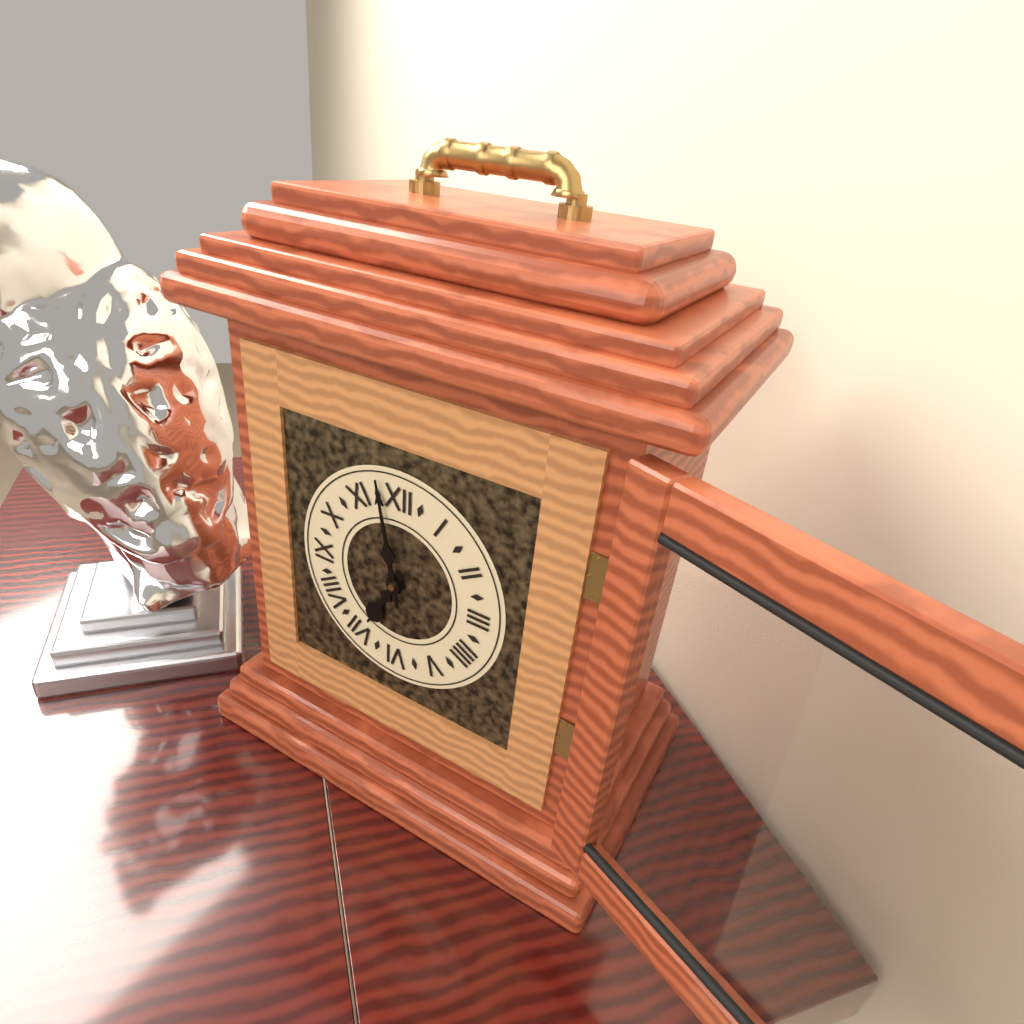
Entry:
6 h 58 min
